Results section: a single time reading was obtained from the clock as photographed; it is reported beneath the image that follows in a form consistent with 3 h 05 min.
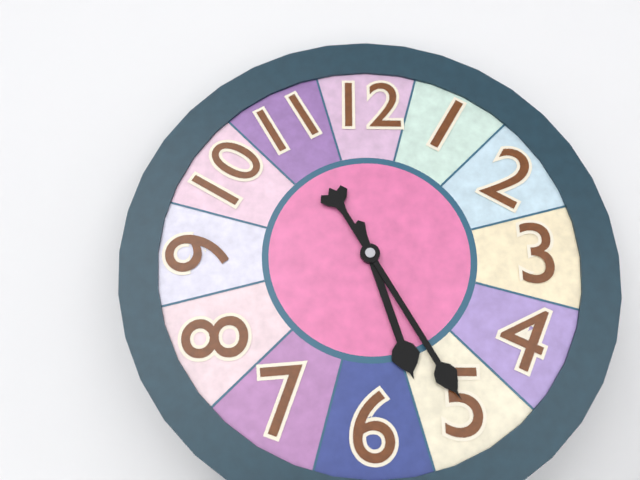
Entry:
5 h 25 min
